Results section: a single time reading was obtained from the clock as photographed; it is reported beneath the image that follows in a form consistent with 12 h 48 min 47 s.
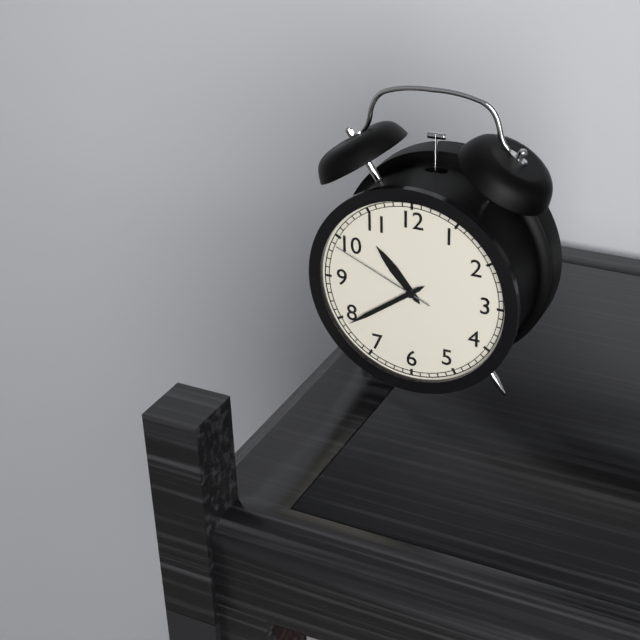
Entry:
10 h 39 min 49 s
